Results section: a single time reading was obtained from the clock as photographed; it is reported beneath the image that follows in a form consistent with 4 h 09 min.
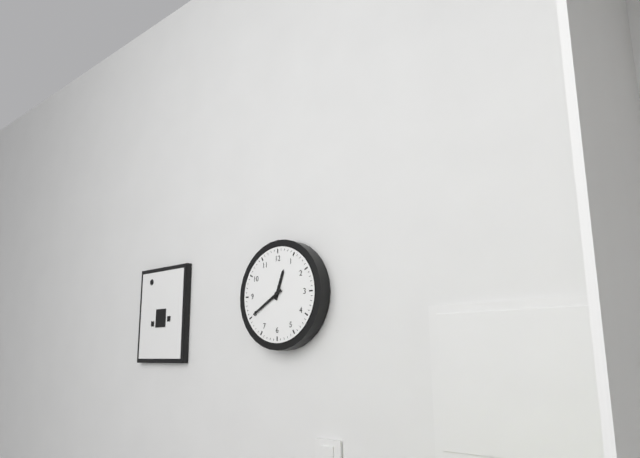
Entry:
12 h 40 min
